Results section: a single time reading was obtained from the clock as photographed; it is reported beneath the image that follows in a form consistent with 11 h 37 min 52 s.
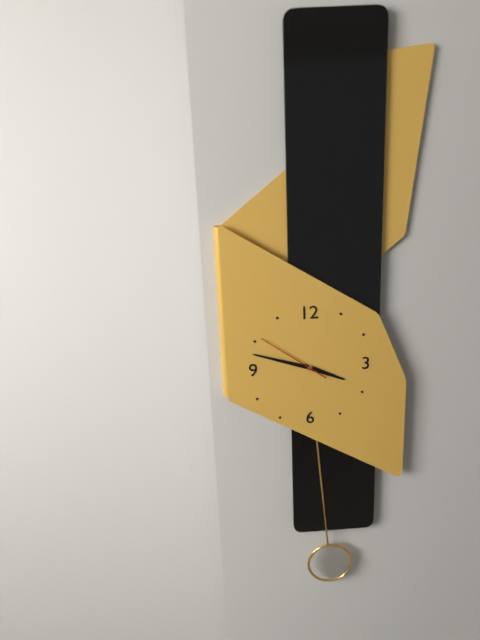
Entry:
3 h 48 min 51 s
